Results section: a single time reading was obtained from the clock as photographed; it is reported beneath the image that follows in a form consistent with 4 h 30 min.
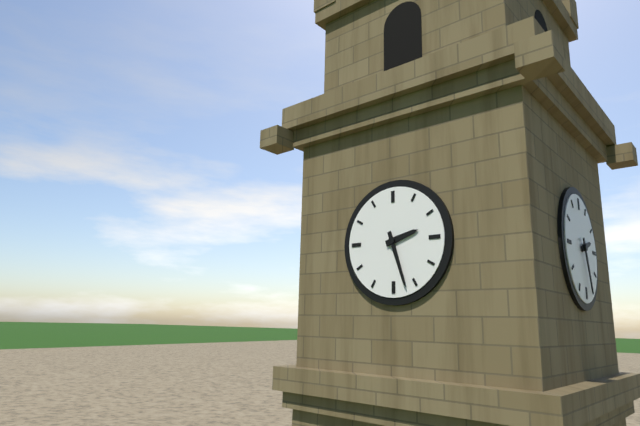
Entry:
2 h 27 min
